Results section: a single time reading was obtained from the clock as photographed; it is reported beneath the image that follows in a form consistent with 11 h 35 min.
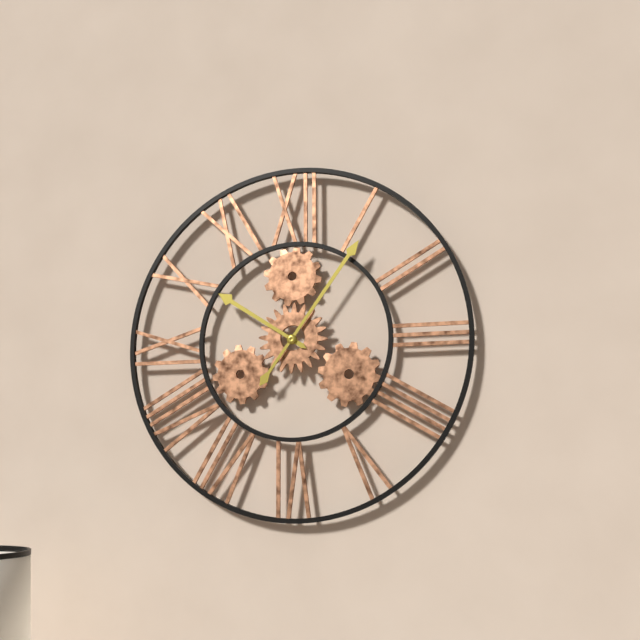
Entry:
10 h 06 min
